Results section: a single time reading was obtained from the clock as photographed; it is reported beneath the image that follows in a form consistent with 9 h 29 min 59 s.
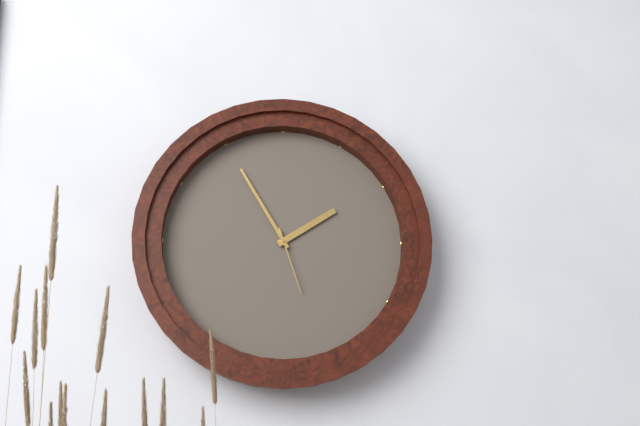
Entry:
1 h 55 min 27 s
